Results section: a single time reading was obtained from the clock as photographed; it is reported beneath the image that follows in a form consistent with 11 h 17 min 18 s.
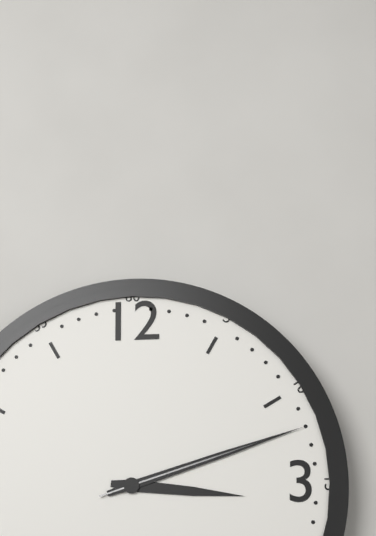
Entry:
3 h 12 min 12 s
